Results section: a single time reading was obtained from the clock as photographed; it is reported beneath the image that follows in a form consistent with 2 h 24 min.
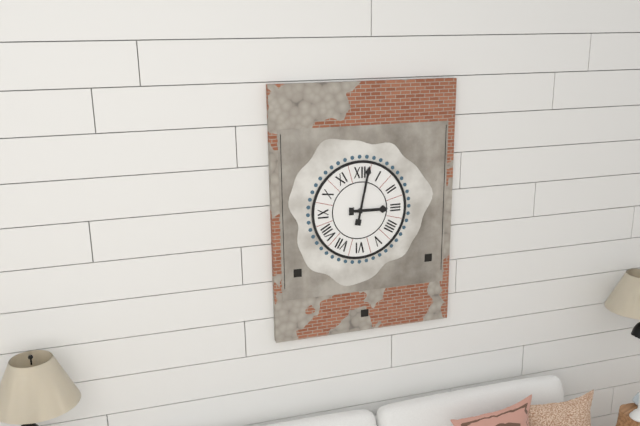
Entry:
3 h 02 min
